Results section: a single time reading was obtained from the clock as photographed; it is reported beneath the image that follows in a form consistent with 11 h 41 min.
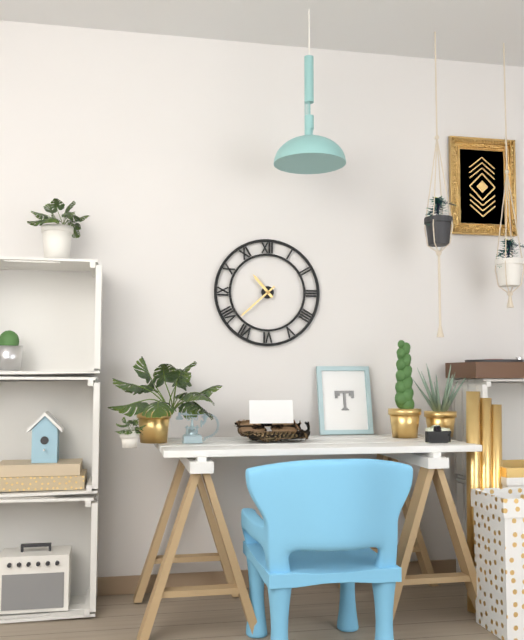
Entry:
10 h 38 min
